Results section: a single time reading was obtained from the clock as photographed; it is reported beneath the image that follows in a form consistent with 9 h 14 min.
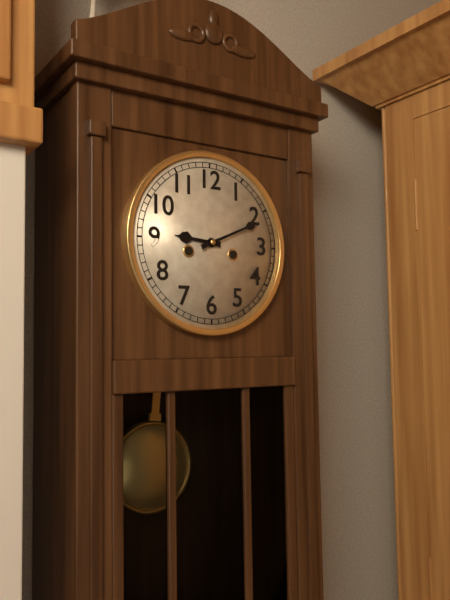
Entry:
9 h 11 min
